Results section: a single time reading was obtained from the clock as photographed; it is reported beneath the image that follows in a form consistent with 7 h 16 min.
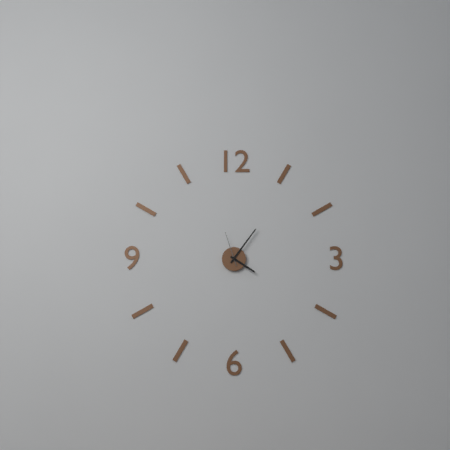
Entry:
4 h 06 min
